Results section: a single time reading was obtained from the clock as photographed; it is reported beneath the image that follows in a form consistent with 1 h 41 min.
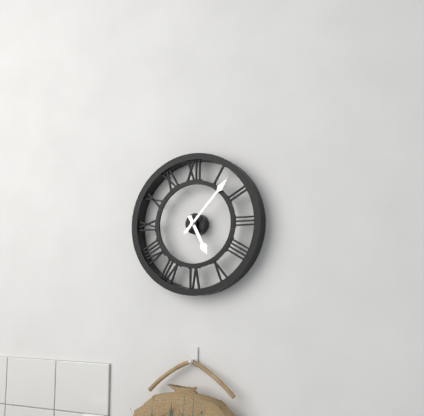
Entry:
5 h 07 min
